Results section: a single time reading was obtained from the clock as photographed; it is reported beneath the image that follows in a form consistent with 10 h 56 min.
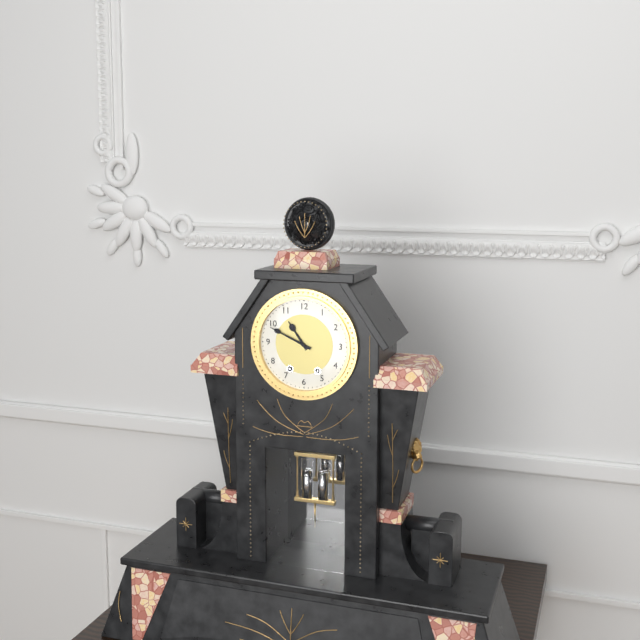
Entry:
10 h 49 min
